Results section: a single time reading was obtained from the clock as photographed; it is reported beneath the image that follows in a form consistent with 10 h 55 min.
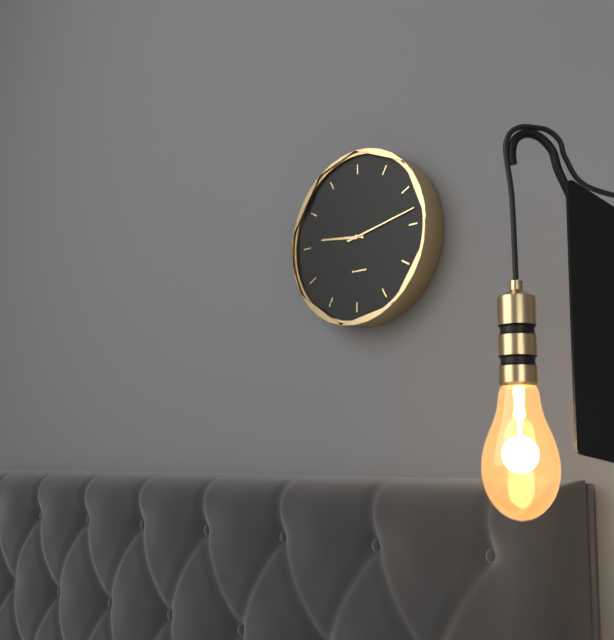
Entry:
9 h 13 min
